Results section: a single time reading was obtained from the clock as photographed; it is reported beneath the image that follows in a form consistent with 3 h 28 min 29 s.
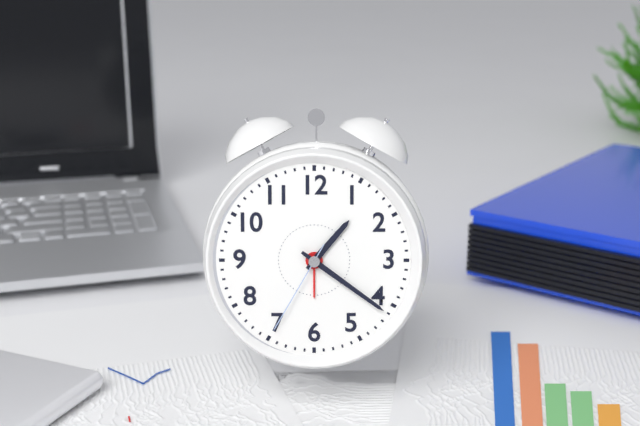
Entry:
1 h 21 min 35 s
